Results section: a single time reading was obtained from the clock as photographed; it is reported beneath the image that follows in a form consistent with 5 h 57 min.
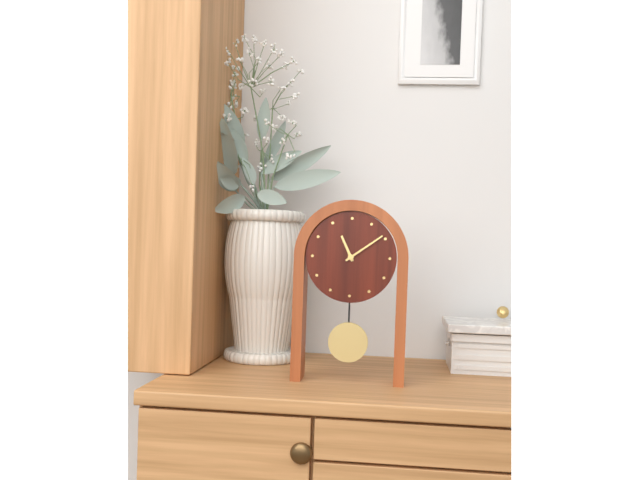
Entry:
11 h 09 min
